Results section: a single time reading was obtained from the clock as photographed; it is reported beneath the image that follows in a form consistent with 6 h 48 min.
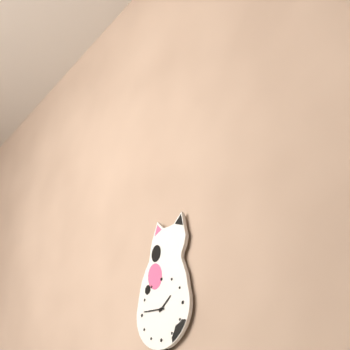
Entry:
1 h 46 min
